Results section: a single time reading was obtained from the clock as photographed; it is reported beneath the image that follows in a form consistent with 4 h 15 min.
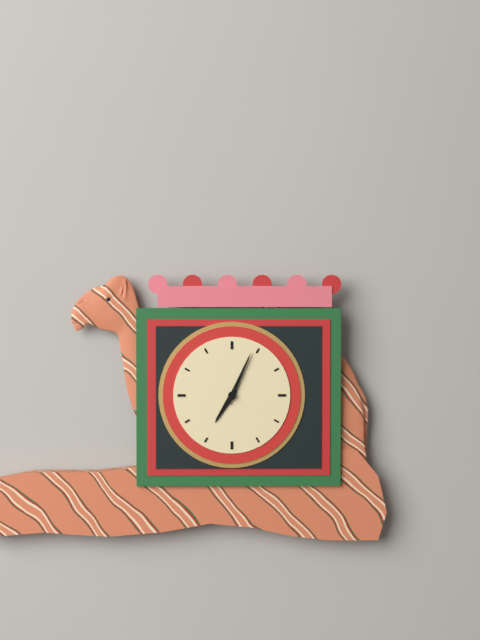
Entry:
7 h 04 min
